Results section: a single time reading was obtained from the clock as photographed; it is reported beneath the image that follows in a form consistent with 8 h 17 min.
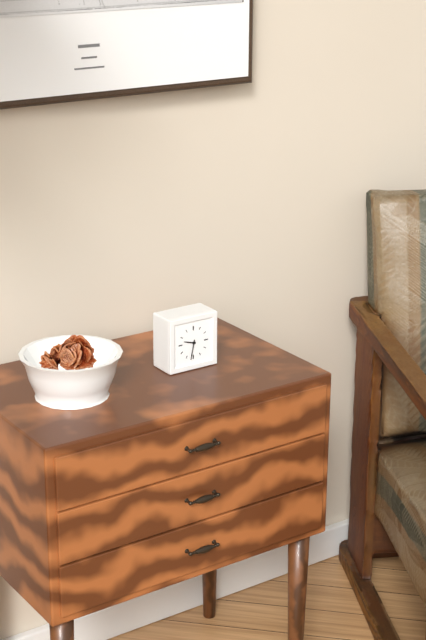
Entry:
9 h 32 min
